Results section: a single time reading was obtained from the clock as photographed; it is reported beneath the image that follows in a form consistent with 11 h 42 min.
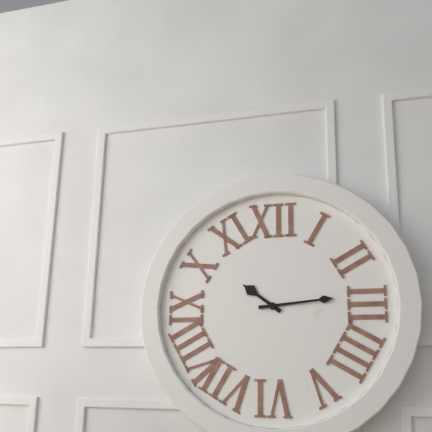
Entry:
10 h 14 min
